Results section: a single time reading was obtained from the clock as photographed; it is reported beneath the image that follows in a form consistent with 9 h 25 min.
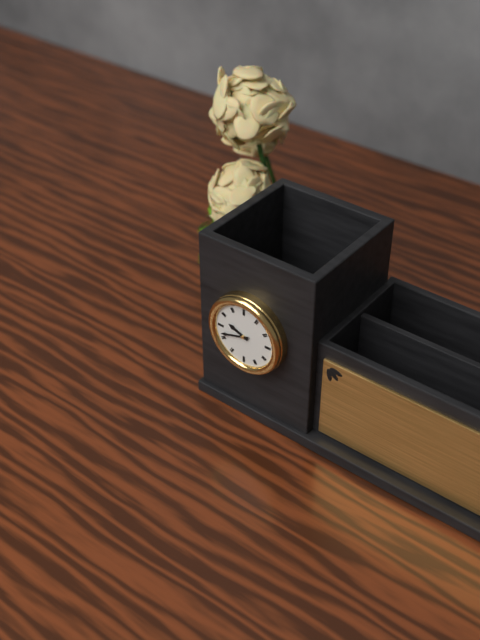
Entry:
9 h 42 min
